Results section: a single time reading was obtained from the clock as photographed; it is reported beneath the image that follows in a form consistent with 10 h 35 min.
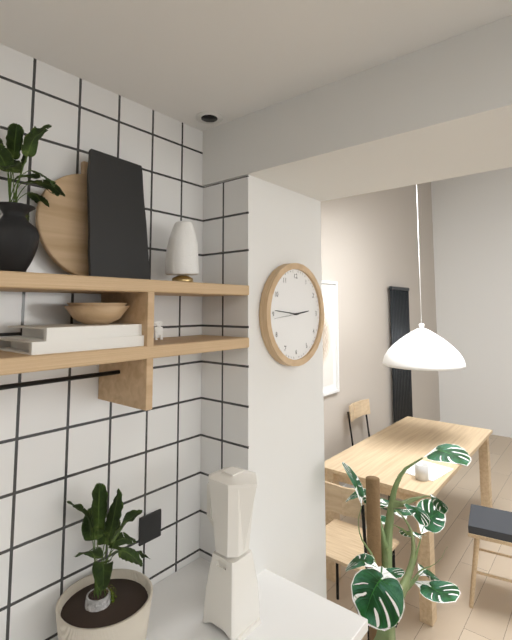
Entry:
2 h 46 min
